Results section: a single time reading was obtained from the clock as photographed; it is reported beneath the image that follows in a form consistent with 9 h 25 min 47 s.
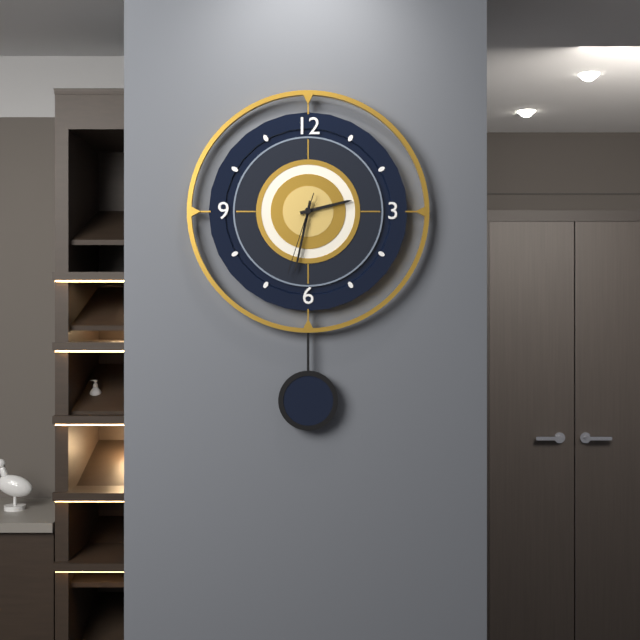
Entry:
2 h 32 min 33 s
